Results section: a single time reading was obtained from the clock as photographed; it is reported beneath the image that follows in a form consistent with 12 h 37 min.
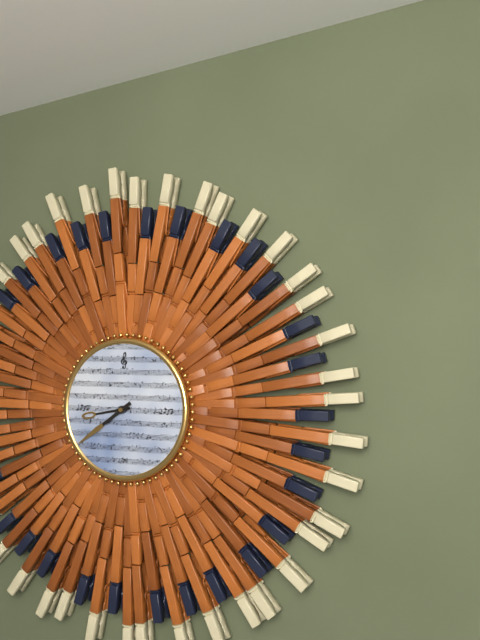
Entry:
8 h 39 min
